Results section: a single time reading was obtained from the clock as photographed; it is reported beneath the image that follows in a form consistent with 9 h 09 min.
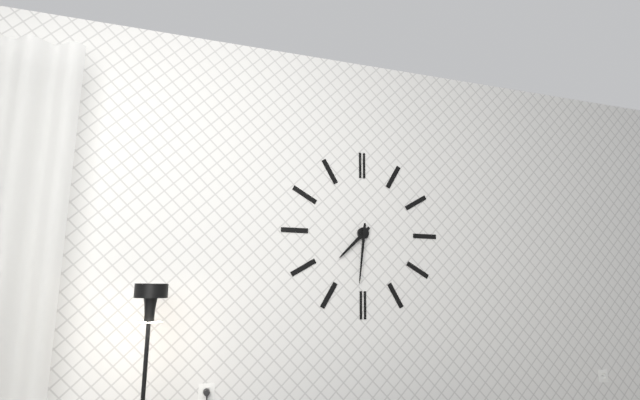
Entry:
7 h 31 min
